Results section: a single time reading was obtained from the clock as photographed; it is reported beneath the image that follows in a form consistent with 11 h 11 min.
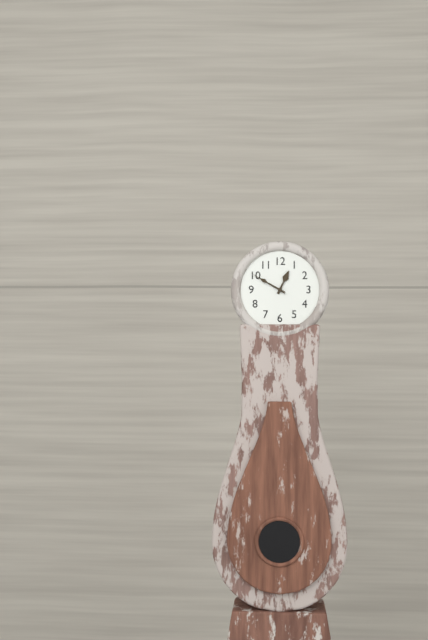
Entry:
12 h 50 min
